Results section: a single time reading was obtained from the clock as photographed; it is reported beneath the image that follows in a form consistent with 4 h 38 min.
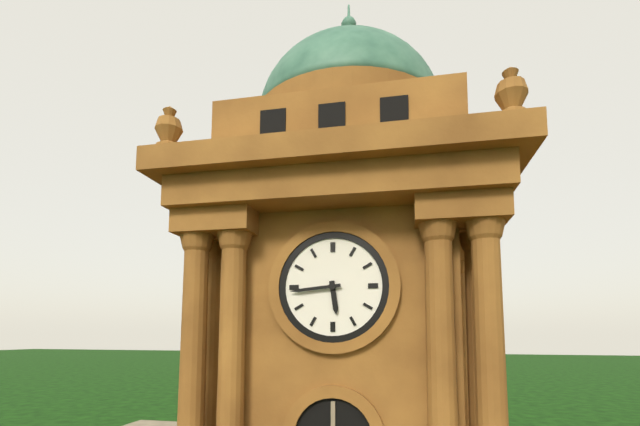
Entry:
5 h 44 min
